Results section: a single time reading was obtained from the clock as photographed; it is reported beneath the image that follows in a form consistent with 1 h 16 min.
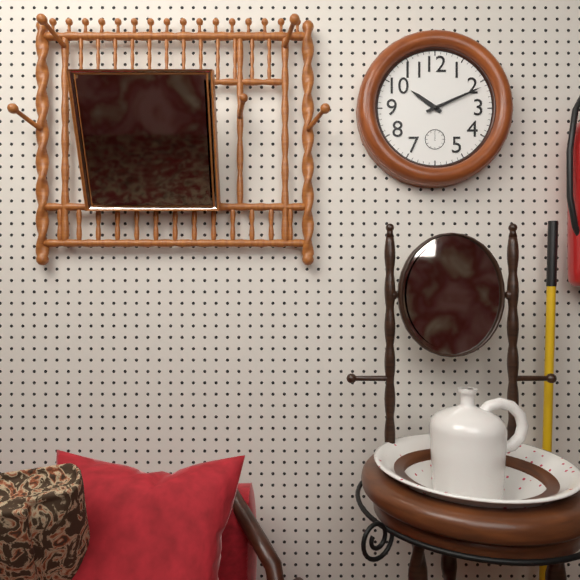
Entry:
10 h 11 min
